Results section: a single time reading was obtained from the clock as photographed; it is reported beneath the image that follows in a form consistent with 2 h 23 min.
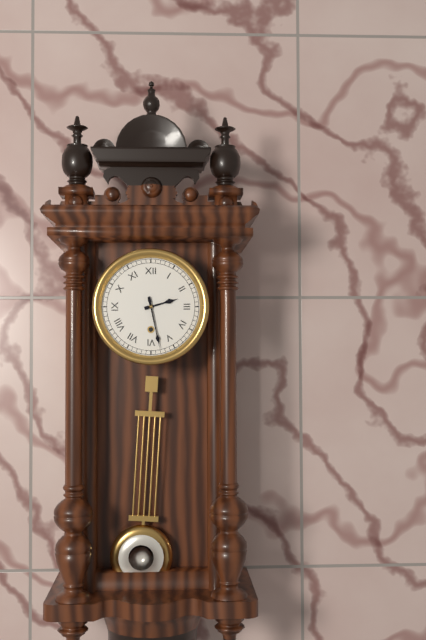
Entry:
2 h 28 min
